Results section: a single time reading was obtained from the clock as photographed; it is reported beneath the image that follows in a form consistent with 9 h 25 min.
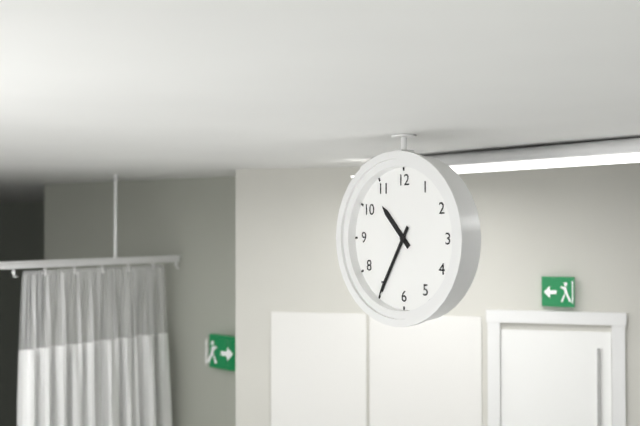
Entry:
10 h 35 min
